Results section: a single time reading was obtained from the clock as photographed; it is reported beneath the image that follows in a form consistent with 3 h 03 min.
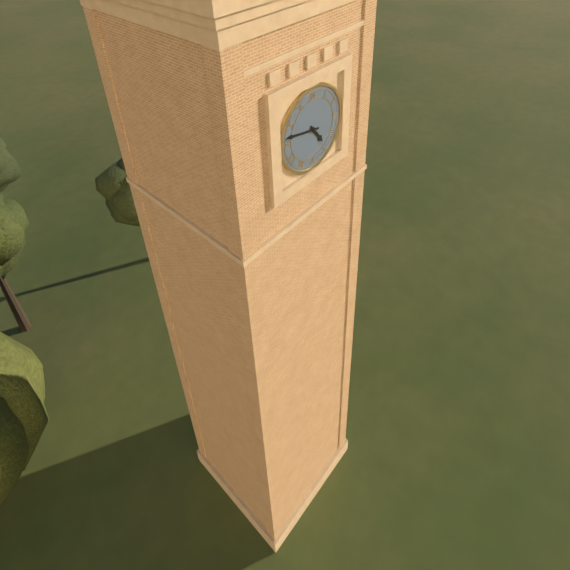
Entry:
4 h 47 min
